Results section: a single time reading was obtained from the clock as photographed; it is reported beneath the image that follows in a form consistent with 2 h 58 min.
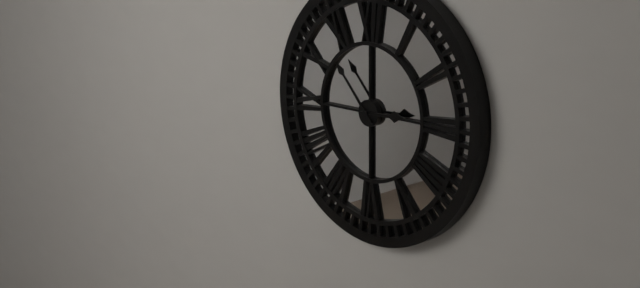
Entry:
2 h 53 min
